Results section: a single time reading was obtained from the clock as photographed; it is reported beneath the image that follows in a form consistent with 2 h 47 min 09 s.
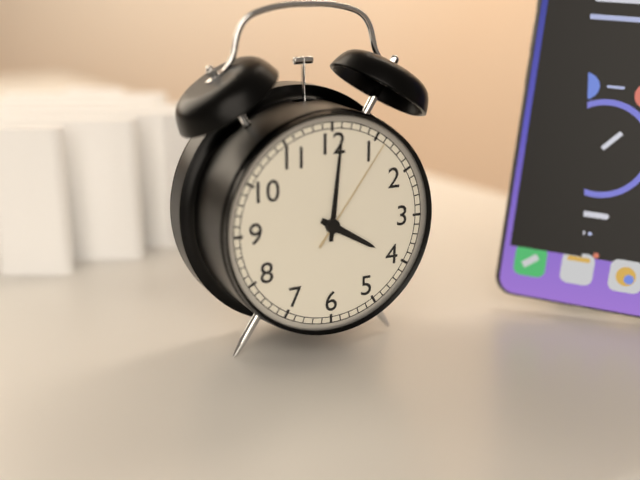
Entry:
4 h 01 min 06 s
